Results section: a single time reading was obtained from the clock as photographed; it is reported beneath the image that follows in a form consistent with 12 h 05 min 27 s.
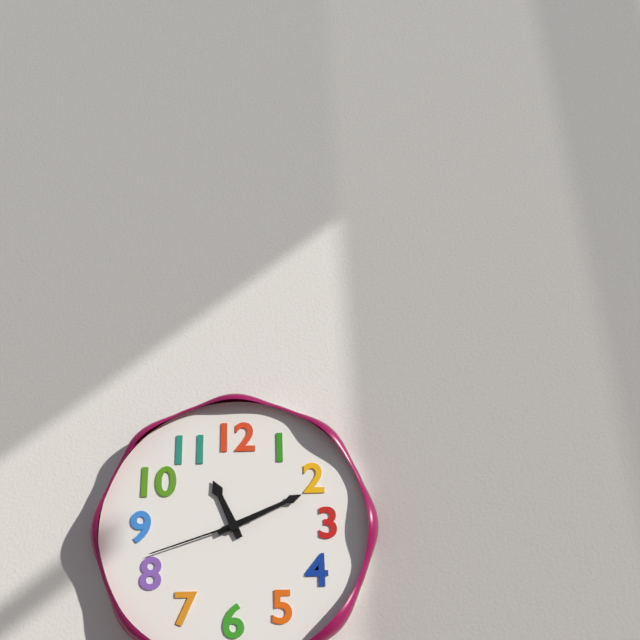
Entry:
11 h 11 min 42 s
